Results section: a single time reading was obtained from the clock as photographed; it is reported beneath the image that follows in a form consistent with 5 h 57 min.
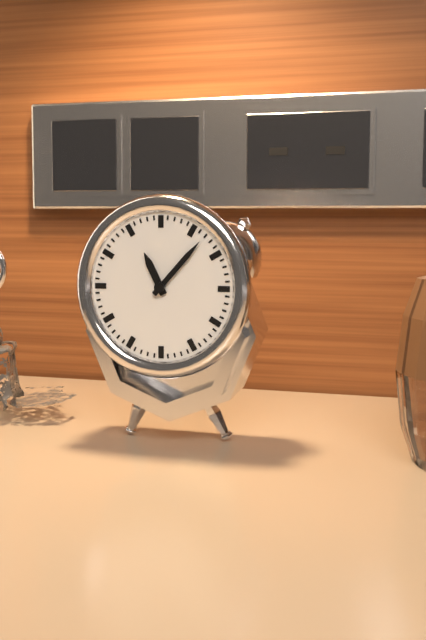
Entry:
11 h 07 min
